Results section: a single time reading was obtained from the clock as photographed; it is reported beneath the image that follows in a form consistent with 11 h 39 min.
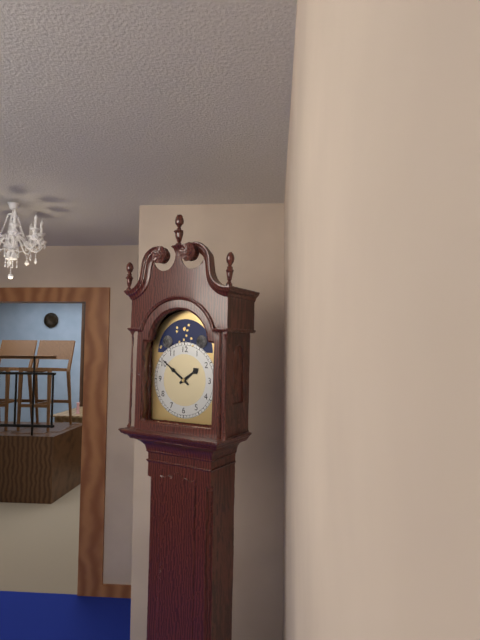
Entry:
1 h 51 min
